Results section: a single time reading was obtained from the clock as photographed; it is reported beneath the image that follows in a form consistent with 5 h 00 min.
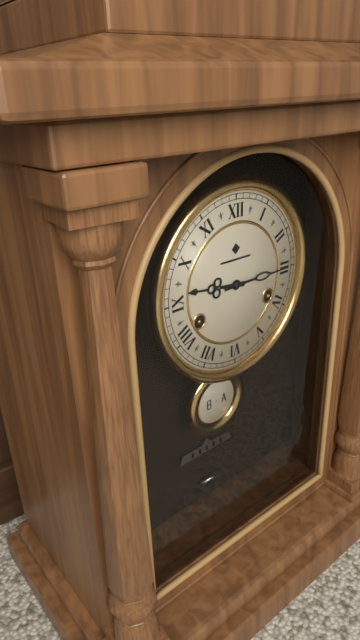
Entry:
9 h 15 min
